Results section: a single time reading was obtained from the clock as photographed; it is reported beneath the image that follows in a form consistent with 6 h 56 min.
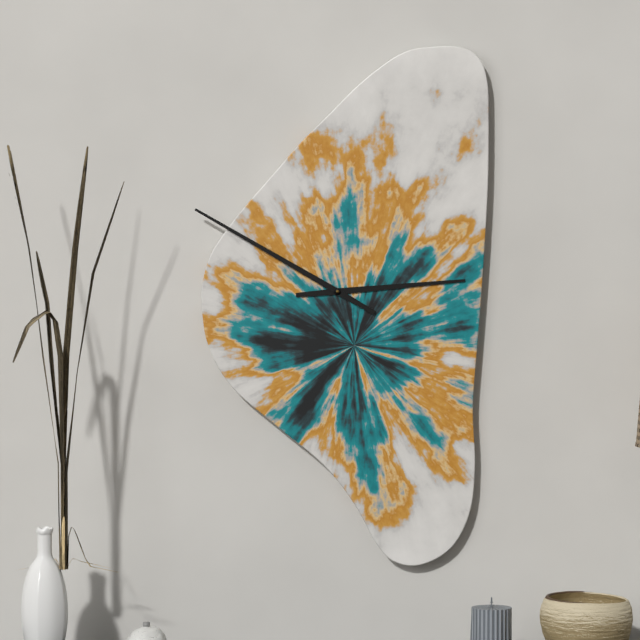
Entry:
2 h 50 min
